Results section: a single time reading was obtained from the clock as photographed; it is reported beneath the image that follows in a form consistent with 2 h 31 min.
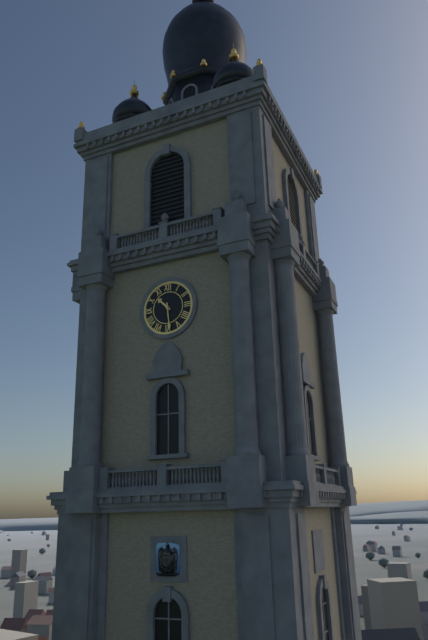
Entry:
10 h 29 min
